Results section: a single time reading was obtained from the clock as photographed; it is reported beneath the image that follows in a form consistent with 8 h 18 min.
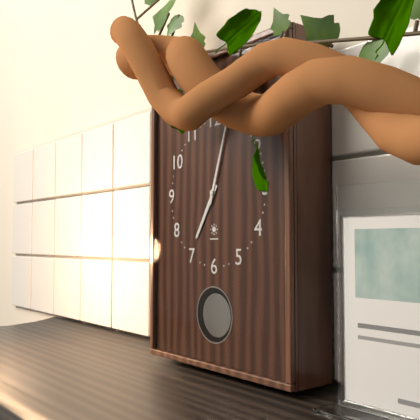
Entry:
7 h 03 min
